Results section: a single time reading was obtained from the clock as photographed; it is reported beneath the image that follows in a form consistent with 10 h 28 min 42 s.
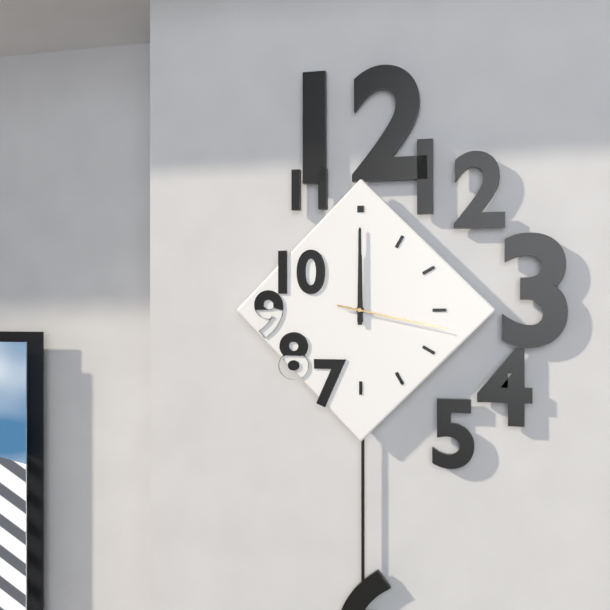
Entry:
12 h 00 min 17 s
